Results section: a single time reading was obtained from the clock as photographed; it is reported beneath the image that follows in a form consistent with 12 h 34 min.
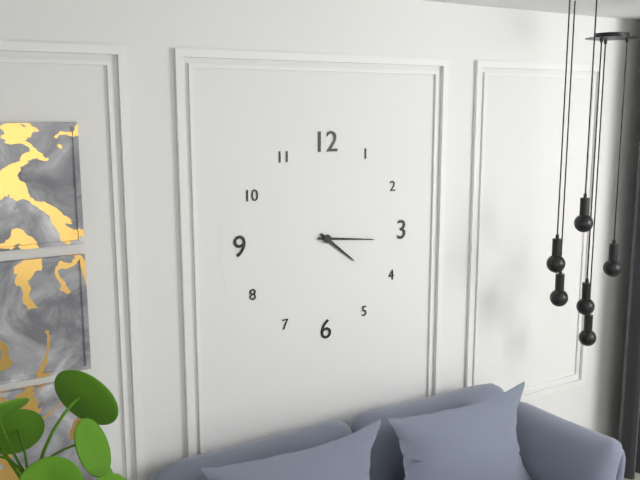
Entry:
4 h 16 min
